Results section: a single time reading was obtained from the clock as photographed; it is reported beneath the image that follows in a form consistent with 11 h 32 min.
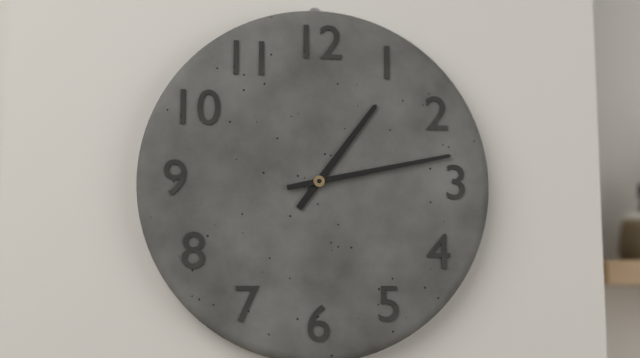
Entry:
1 h 13 min
